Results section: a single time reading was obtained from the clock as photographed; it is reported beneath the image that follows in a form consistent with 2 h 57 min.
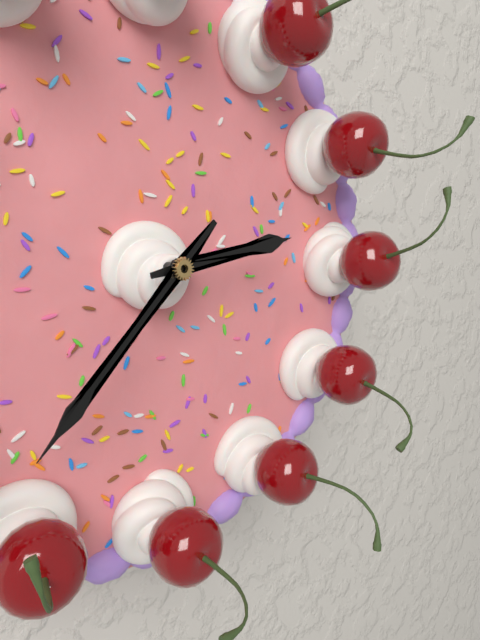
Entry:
2 h 37 min
